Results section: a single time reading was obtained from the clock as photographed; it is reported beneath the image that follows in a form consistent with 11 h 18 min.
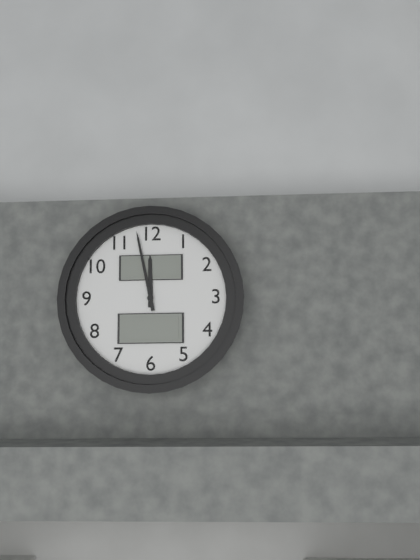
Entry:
11 h 58 min
